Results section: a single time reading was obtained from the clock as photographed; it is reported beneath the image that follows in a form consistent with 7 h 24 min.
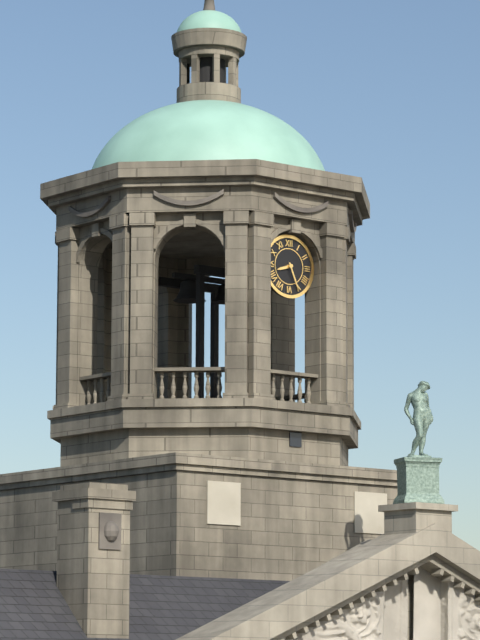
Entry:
8 h 26 min
